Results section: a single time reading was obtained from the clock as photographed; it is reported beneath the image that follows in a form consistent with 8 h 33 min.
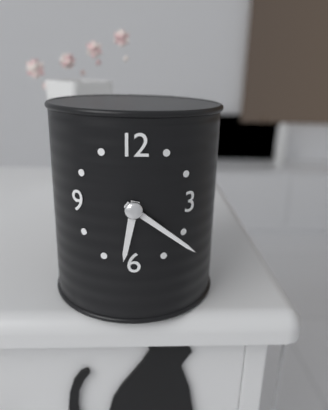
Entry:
6 h 21 min
